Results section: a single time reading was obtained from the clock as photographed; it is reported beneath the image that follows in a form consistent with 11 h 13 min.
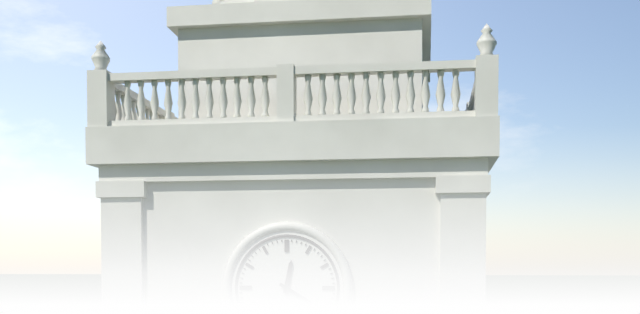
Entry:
12 h 20 min
